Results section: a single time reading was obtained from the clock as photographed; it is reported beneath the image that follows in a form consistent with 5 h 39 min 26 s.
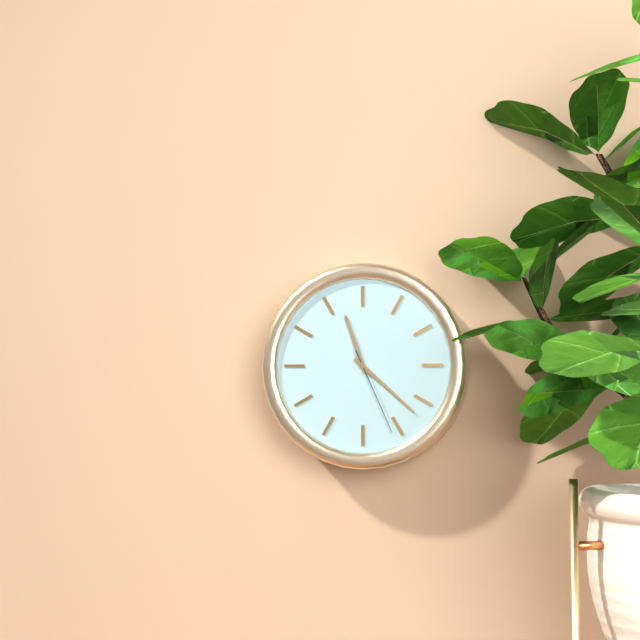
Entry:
11 h 22 min 26 s
